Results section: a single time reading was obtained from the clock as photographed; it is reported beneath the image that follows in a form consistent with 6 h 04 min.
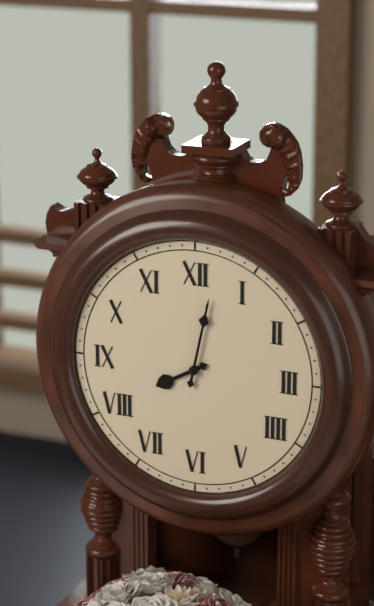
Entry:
8 h 02 min
